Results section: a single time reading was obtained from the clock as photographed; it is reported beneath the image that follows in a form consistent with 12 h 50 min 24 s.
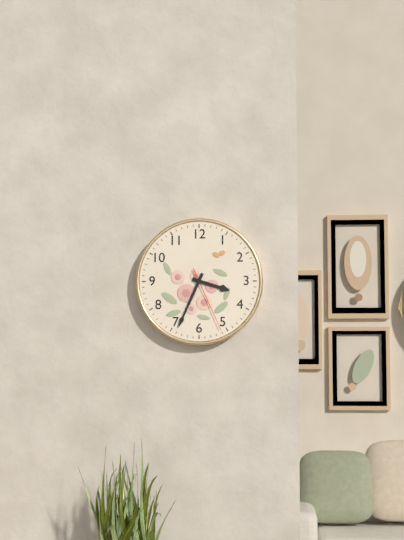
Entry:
3 h 34 min 26 s
